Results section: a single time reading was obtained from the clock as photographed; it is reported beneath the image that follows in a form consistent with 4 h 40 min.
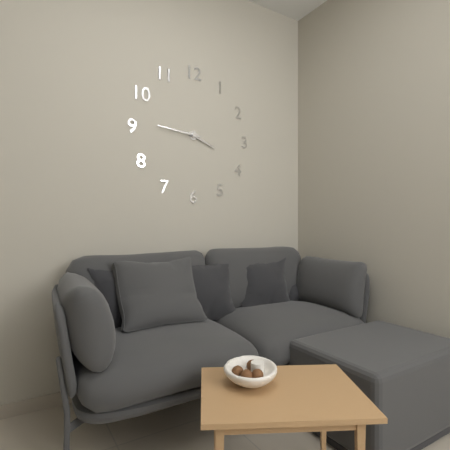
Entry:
3 h 46 min
